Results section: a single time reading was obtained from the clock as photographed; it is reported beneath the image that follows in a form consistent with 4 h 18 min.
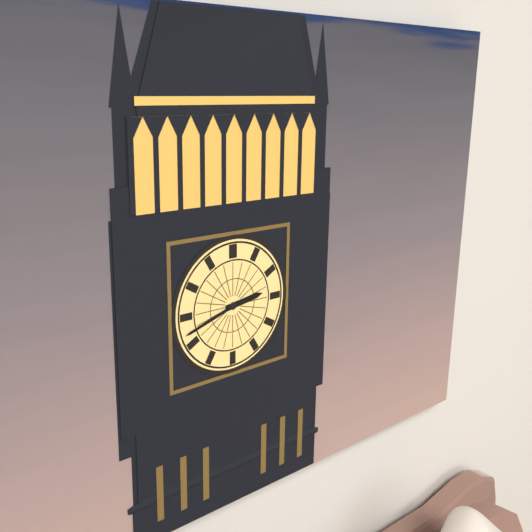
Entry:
2 h 42 min
